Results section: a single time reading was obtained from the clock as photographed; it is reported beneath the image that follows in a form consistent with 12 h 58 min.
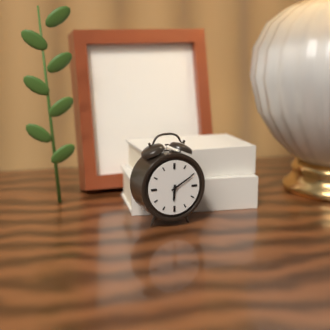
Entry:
6 h 10 min
